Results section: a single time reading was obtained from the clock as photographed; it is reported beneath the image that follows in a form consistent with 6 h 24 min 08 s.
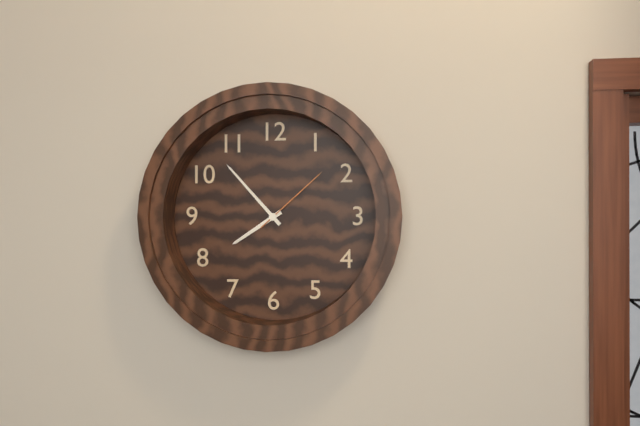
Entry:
7 h 53 min 08 s
